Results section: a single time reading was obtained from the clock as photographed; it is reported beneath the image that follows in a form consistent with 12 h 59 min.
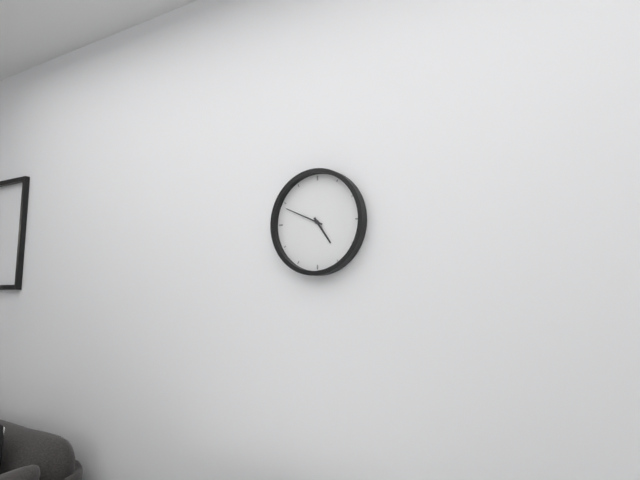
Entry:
4 h 49 min
